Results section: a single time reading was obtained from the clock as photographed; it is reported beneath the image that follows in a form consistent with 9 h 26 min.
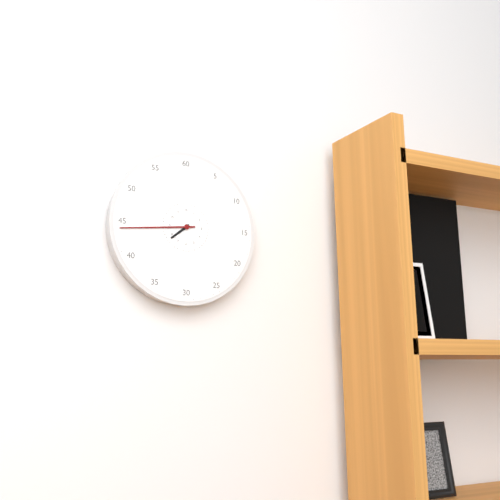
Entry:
7 h 44 min
